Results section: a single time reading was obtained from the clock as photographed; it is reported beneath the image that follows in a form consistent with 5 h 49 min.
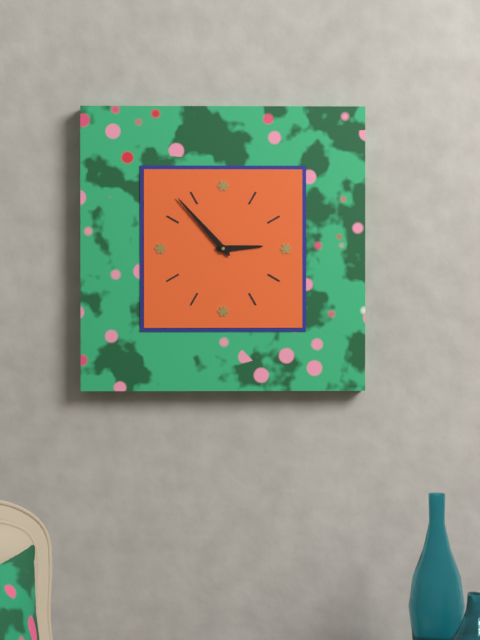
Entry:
2 h 53 min
